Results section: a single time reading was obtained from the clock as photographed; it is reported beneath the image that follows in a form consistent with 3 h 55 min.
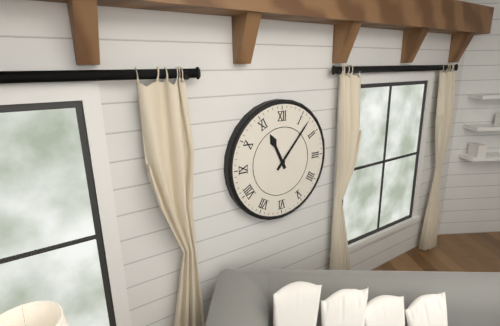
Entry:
11 h 07 min
